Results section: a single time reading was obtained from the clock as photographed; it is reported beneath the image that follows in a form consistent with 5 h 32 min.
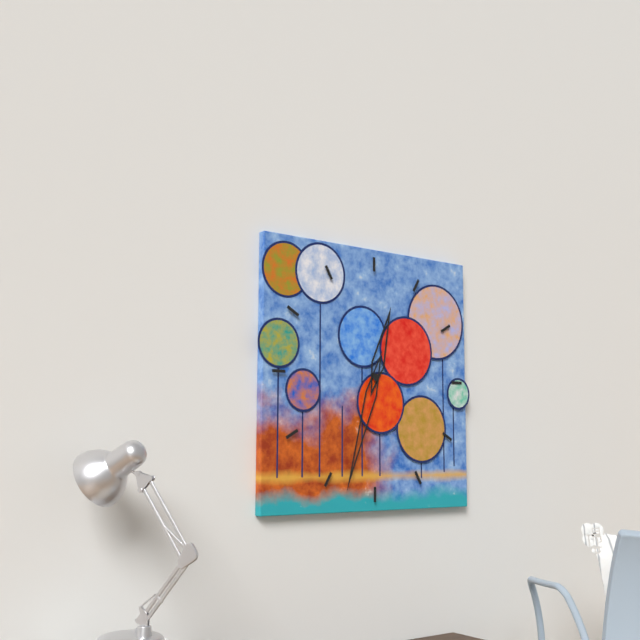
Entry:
12 h 33 min
